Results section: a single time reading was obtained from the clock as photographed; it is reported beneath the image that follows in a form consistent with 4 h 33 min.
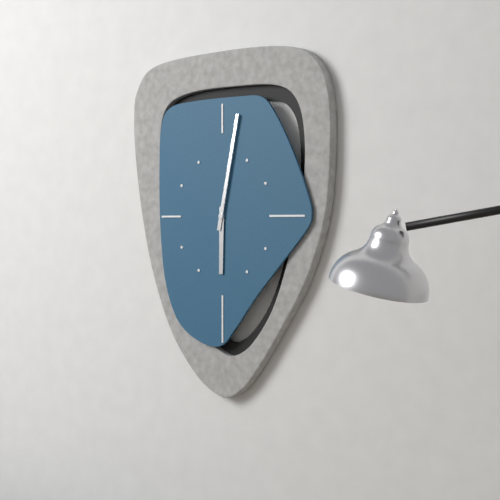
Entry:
6 h 02 min
